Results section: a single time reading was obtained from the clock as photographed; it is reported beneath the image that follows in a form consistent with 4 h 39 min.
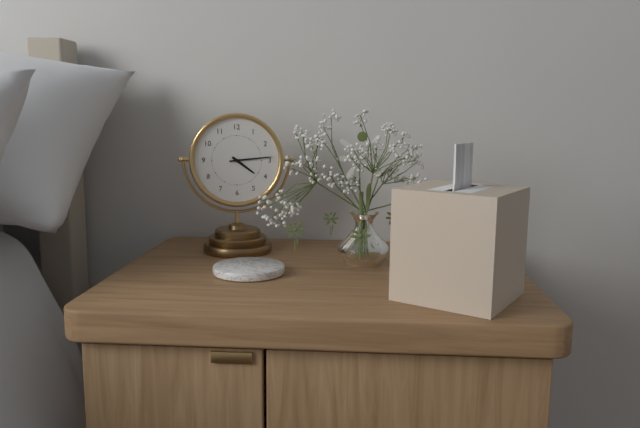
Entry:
4 h 14 min
